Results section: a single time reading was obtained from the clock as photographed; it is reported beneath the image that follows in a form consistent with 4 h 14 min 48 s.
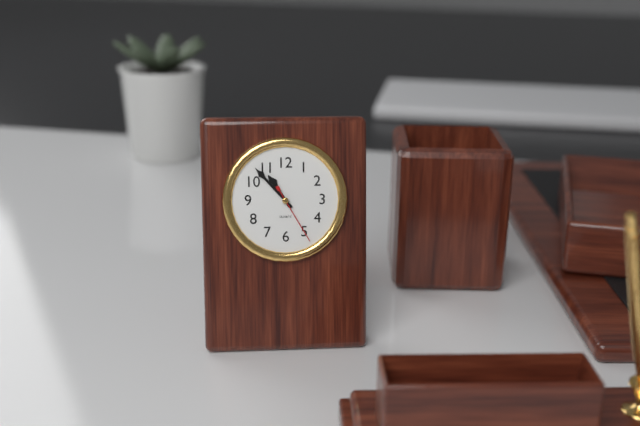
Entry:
10 h 53 min 25 s
